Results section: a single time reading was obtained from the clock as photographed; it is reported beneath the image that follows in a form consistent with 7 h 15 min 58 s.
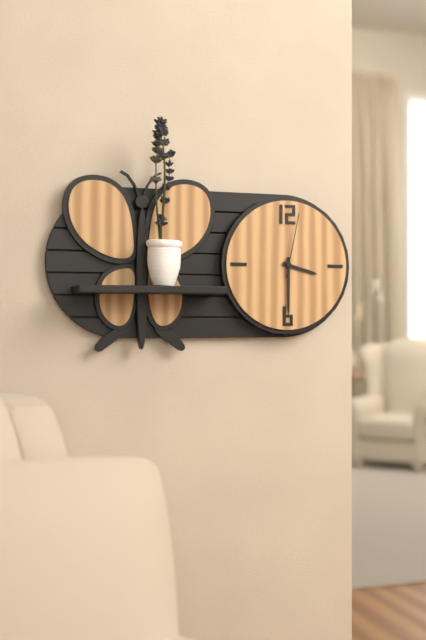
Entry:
3 h 30 min 02 s
